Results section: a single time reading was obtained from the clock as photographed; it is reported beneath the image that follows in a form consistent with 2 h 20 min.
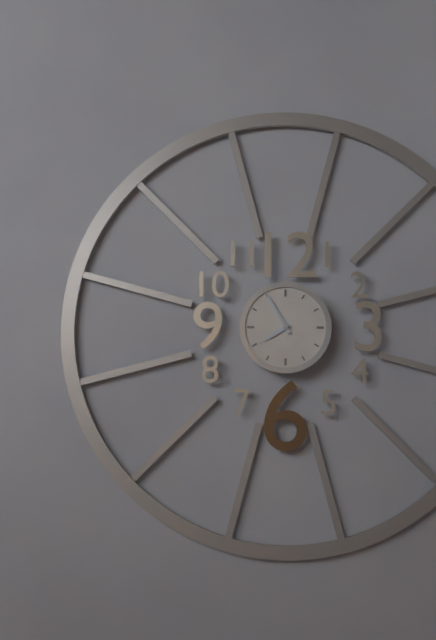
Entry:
7 h 55 min
